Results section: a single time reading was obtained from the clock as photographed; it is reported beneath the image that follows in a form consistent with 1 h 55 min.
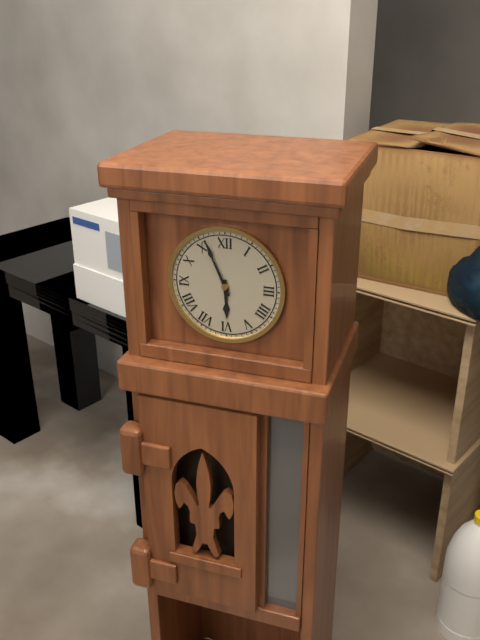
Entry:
5 h 56 min
